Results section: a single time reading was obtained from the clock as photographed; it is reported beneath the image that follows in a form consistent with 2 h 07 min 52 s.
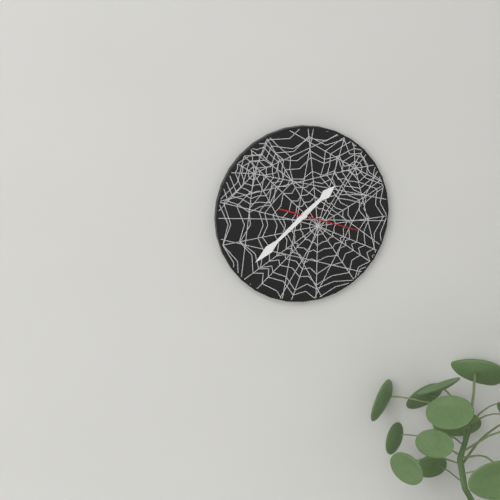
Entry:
1 h 38 min 18 s
